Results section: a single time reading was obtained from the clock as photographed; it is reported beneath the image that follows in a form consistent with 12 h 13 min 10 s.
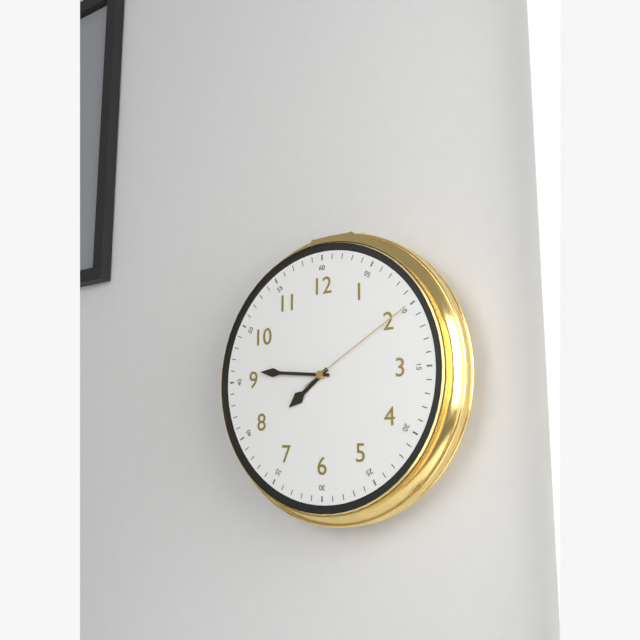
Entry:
7 h 46 min 10 s
